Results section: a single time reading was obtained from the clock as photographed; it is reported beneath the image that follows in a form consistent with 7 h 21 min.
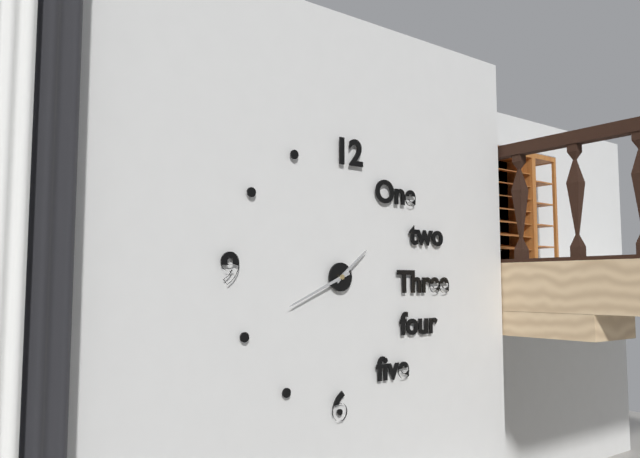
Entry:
1 h 41 min
